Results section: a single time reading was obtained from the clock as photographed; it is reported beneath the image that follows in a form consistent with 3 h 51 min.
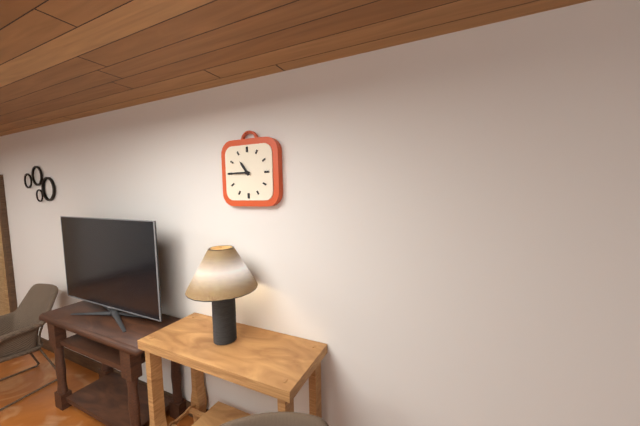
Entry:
10 h 45 min
